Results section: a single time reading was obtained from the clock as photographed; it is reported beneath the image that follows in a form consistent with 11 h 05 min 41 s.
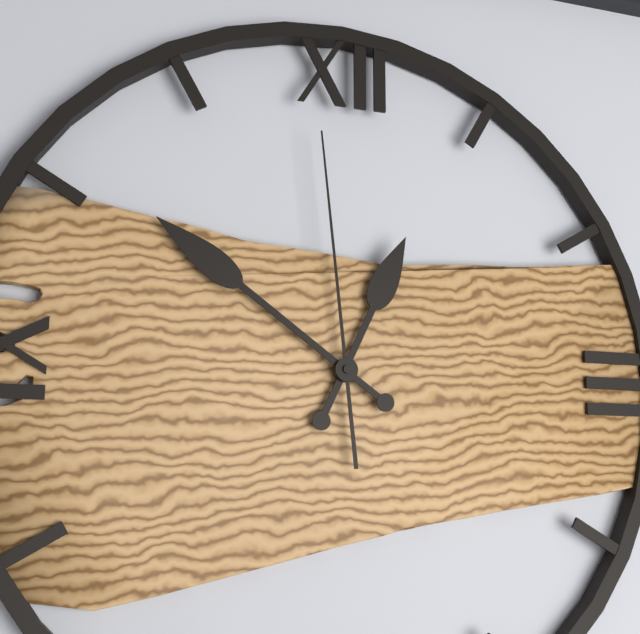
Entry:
12 h 51 min 59 s
